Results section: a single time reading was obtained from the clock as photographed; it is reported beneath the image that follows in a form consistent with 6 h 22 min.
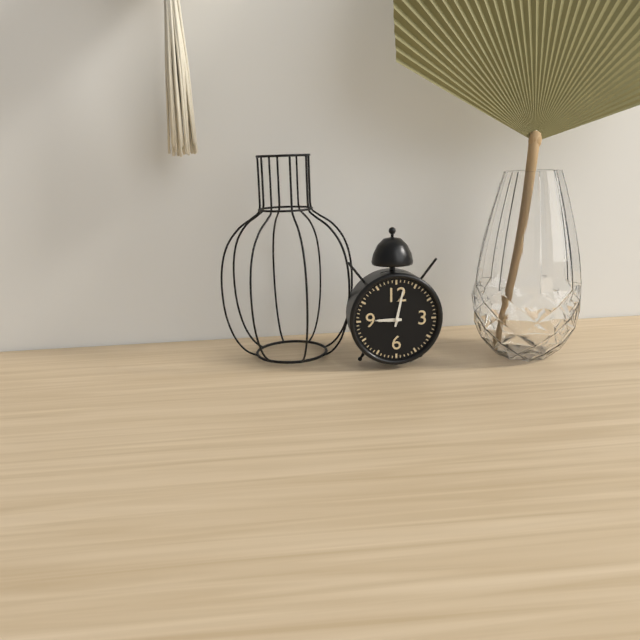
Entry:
9 h 02 min
